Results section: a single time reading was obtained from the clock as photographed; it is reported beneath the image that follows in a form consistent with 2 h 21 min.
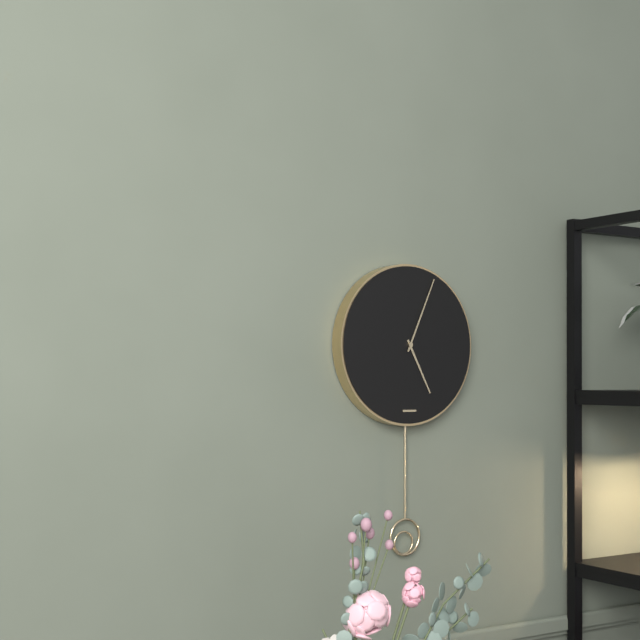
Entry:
5 h 04 min
